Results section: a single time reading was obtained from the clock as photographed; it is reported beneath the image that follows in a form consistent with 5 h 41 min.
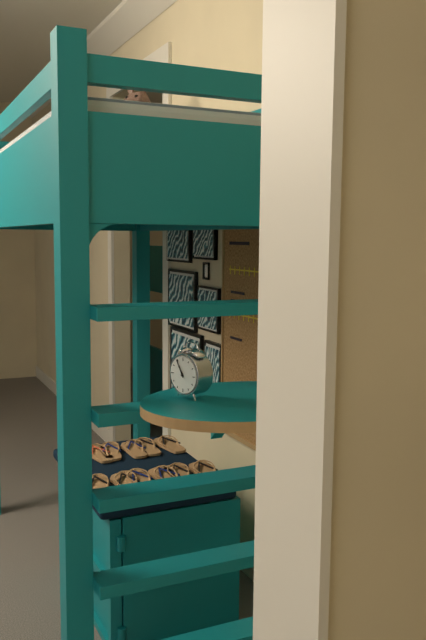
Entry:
10 h 55 min
